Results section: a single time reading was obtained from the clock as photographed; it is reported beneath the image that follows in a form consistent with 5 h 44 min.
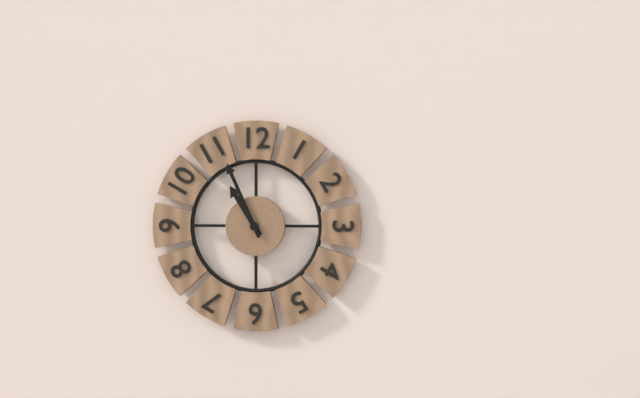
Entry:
10 h 56 min
